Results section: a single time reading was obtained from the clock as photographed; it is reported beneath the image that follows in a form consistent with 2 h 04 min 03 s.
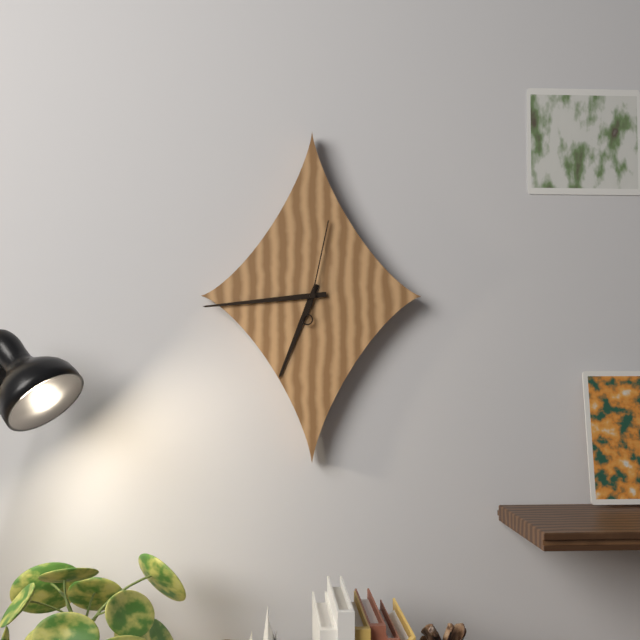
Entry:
6 h 44 min 02 s
